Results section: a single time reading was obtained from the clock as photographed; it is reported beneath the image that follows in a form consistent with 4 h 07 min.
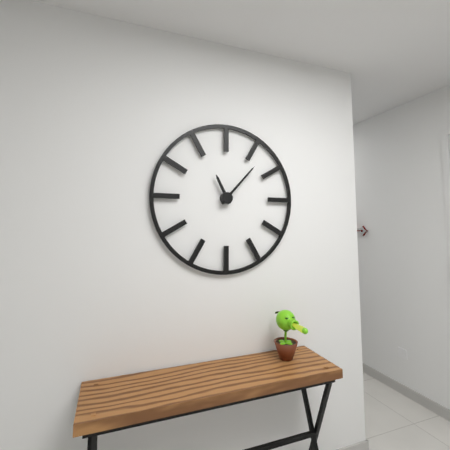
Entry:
11 h 07 min
